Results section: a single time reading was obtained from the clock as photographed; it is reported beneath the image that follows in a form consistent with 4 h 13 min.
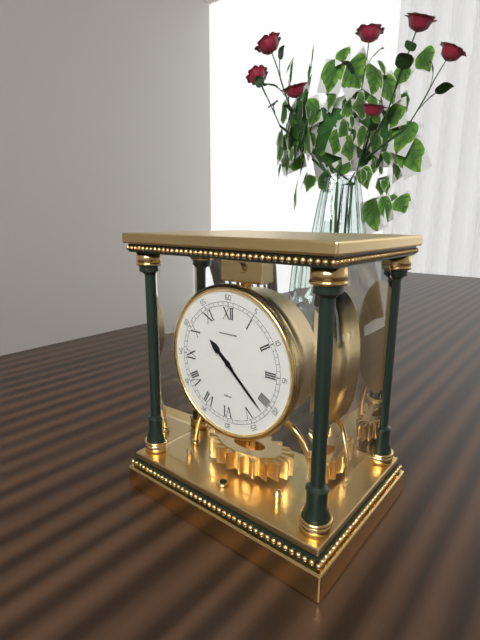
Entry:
10 h 22 min
